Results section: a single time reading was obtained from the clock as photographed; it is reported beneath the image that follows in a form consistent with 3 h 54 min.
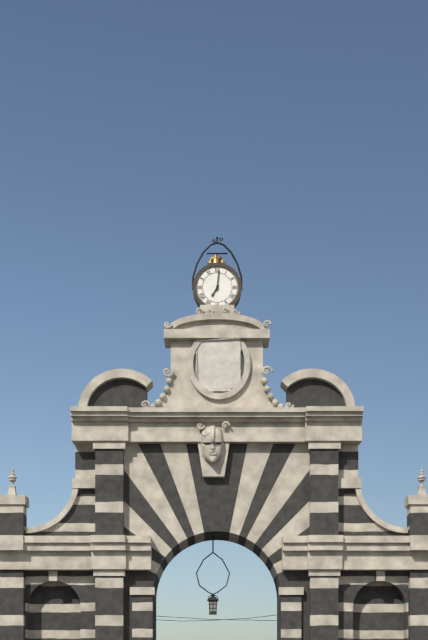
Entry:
7 h 01 min
